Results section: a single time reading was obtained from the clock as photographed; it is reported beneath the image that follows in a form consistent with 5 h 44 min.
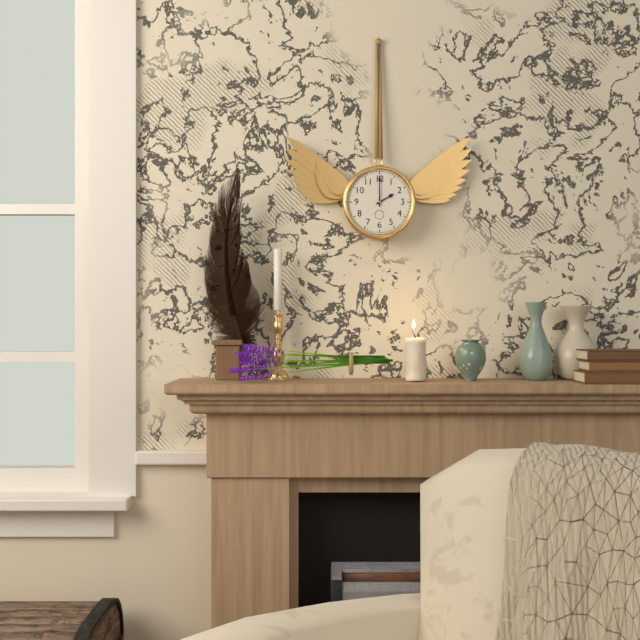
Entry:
2 h 00 min
